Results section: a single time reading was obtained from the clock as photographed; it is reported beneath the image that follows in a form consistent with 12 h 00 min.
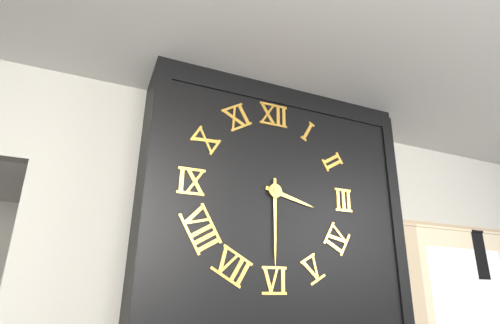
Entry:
3 h 30 min
